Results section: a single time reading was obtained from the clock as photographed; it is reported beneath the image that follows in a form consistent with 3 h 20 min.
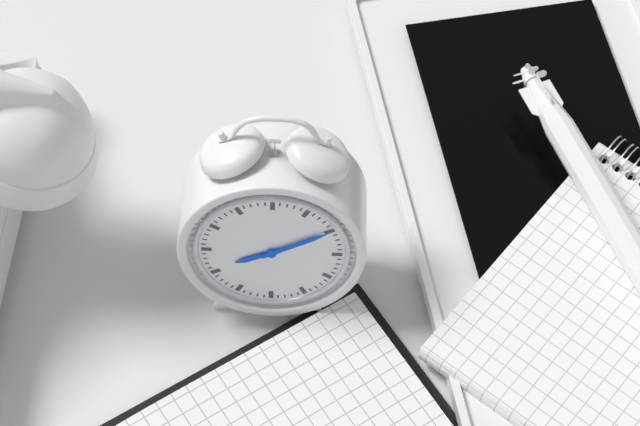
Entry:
8 h 10 min
